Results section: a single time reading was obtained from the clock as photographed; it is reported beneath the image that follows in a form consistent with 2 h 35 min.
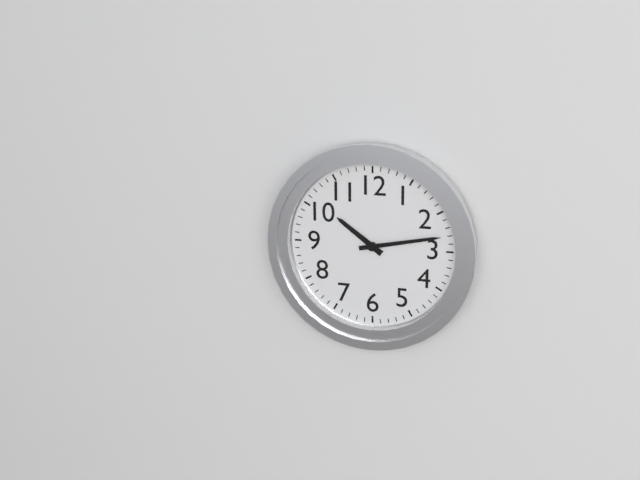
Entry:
10 h 13 min
